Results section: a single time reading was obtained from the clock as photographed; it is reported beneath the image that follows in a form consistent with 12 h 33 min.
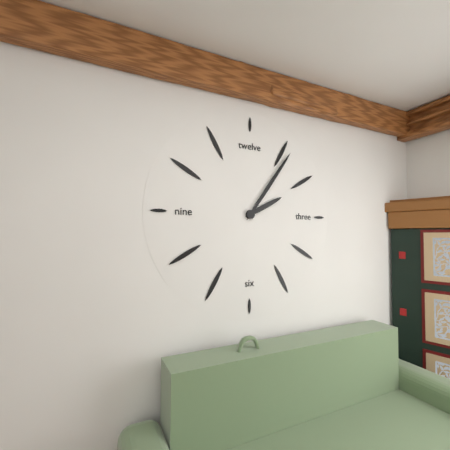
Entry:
2 h 06 min
